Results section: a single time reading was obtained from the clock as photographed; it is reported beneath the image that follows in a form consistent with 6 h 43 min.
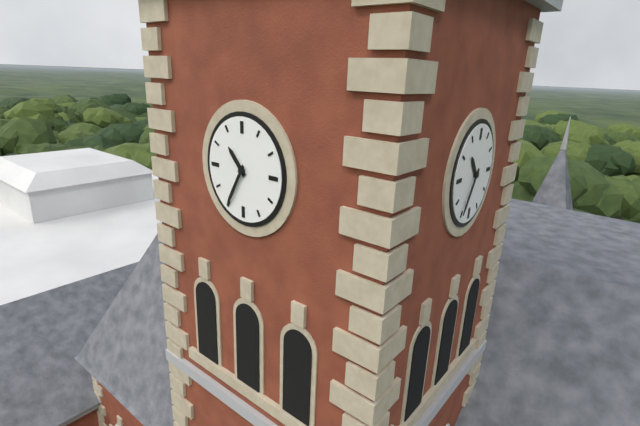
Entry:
10 h 35 min
